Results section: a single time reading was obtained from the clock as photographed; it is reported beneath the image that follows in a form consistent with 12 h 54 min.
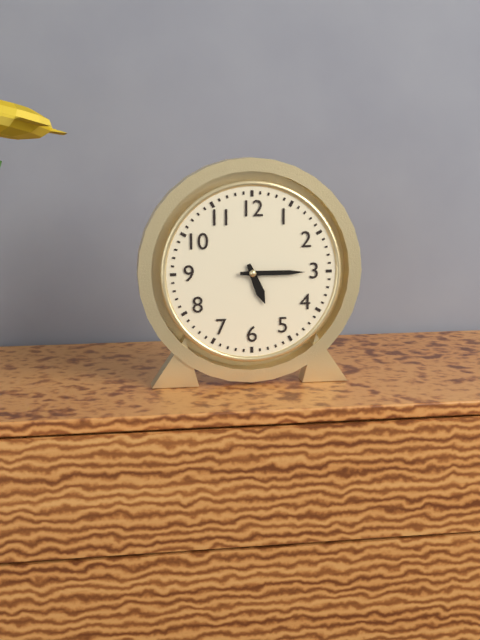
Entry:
5 h 15 min
